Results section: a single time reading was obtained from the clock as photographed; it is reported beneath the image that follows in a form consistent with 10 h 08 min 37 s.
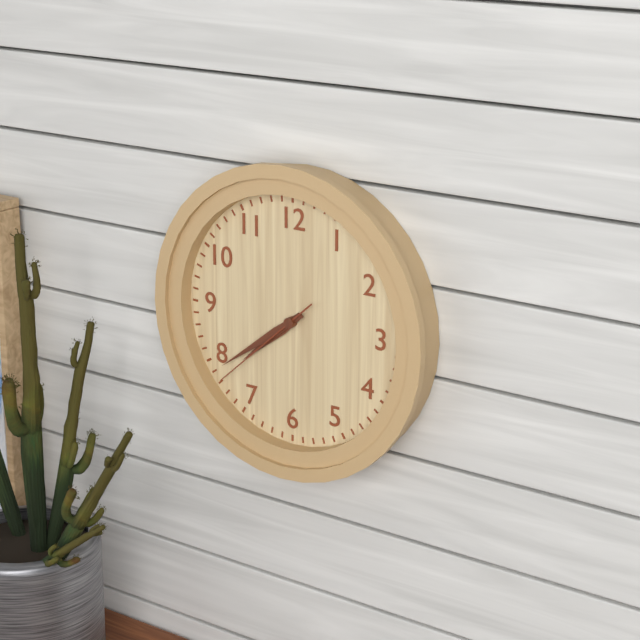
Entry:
7 h 39 min 38 s
